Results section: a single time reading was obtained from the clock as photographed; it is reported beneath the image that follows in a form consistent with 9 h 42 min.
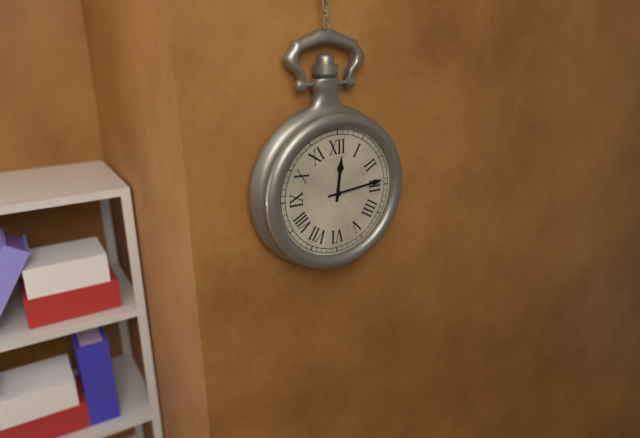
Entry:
12 h 14 min
